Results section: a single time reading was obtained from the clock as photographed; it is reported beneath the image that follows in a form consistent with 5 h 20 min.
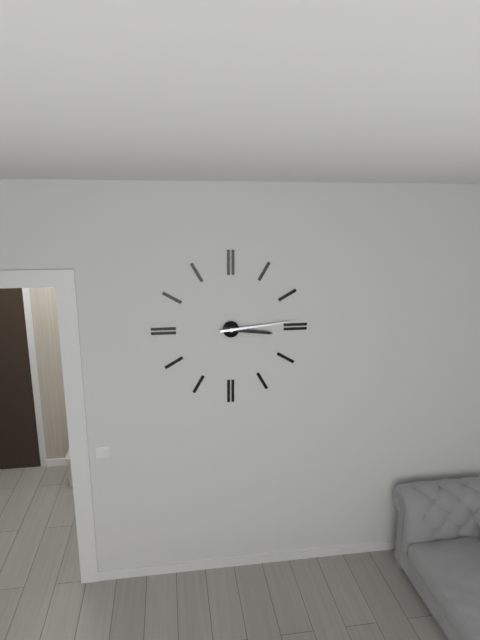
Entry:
3 h 14 min
